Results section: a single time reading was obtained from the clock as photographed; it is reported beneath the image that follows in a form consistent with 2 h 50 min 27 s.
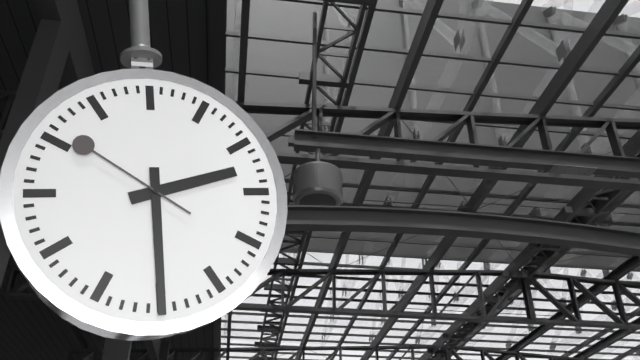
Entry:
2 h 30 min 51 s
